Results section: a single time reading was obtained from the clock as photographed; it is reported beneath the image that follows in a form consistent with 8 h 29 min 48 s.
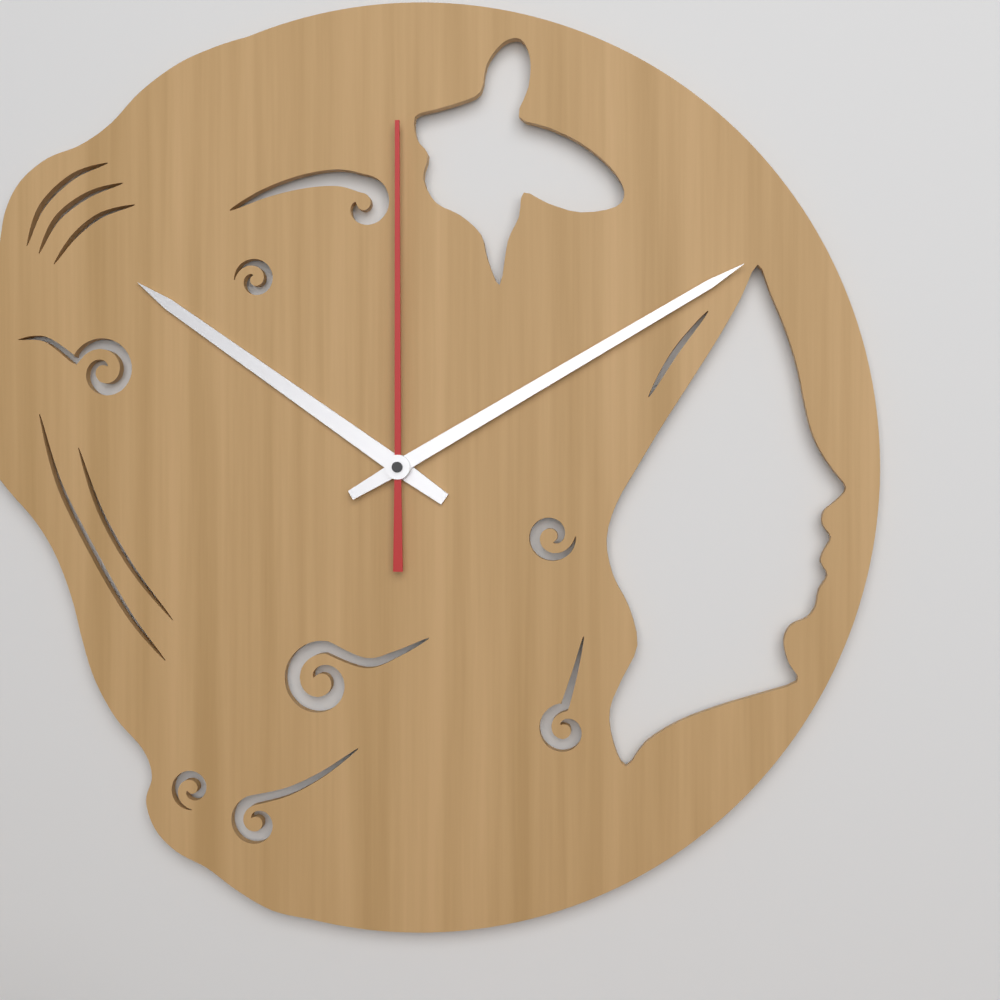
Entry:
10 h 10 min 00 s
